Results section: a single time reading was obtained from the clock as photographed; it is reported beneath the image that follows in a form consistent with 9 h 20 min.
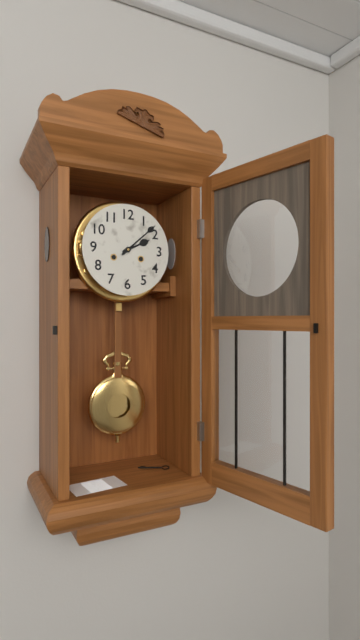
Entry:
2 h 08 min
